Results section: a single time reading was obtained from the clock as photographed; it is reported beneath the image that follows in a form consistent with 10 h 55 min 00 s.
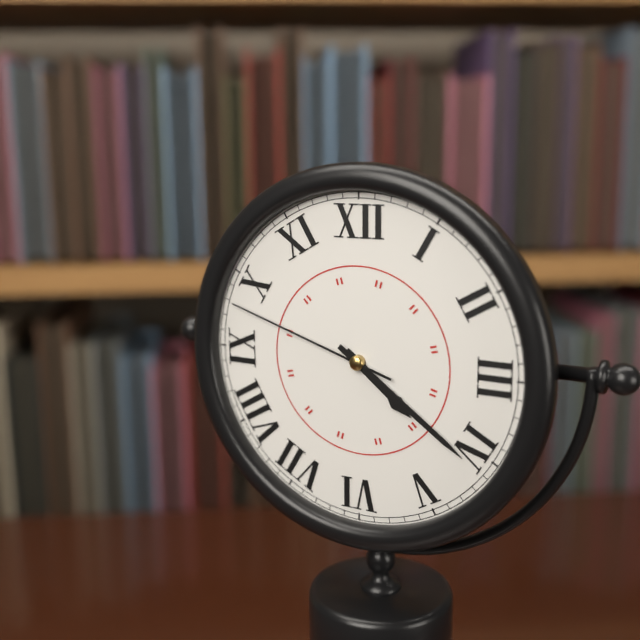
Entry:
4 h 21 min 48 s
